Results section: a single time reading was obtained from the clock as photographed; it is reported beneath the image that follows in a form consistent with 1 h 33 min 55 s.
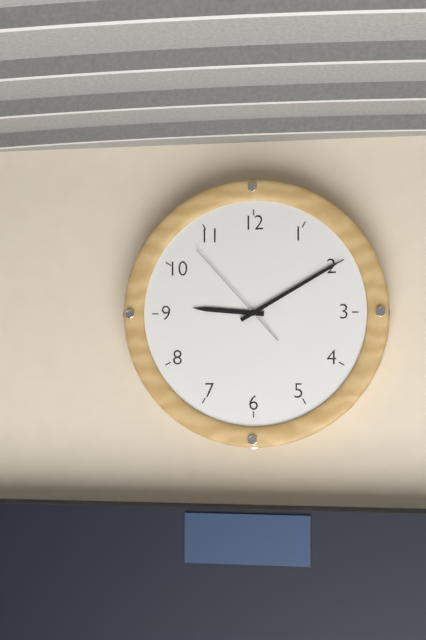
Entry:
9 h 10 min 53 s
